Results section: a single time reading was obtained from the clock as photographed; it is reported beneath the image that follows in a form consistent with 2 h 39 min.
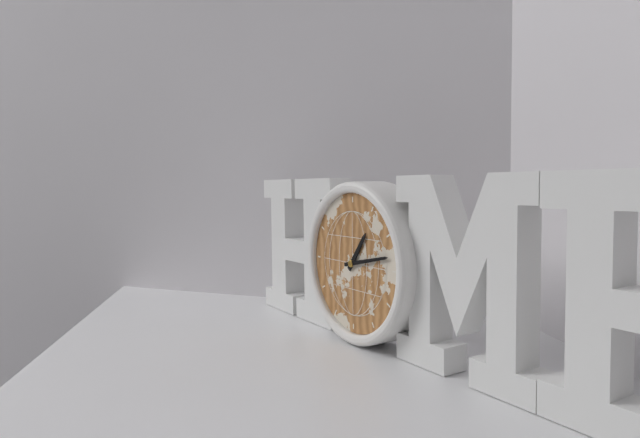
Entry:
1 h 13 min
